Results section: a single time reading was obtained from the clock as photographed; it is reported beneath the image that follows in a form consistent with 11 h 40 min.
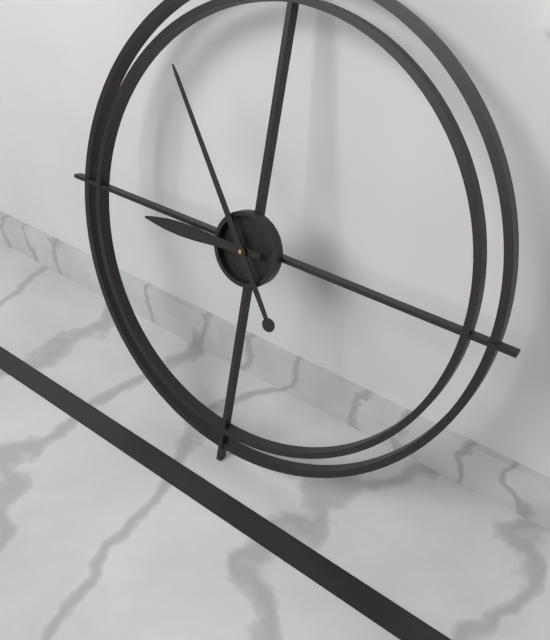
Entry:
8 h 54 min
